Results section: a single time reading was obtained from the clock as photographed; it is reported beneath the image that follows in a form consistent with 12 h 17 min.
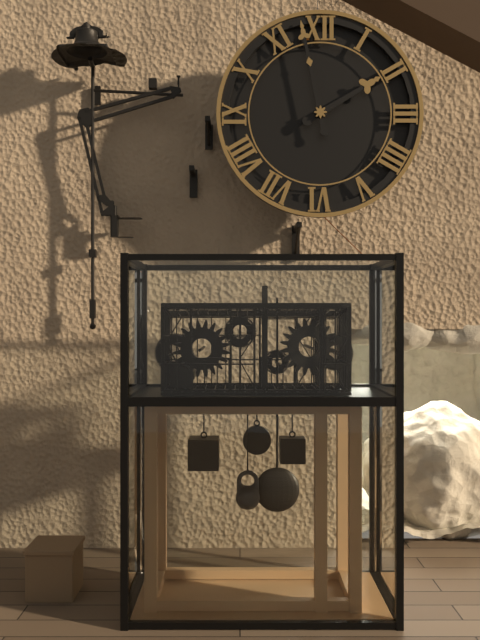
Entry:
1 h 58 min
